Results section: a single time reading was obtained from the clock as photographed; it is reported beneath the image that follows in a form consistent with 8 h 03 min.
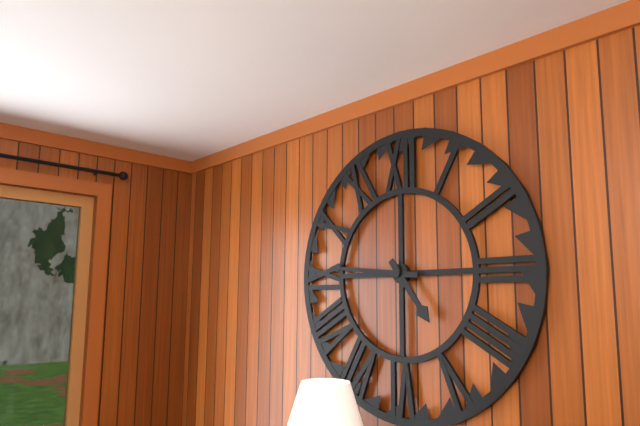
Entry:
4 h 46 min
